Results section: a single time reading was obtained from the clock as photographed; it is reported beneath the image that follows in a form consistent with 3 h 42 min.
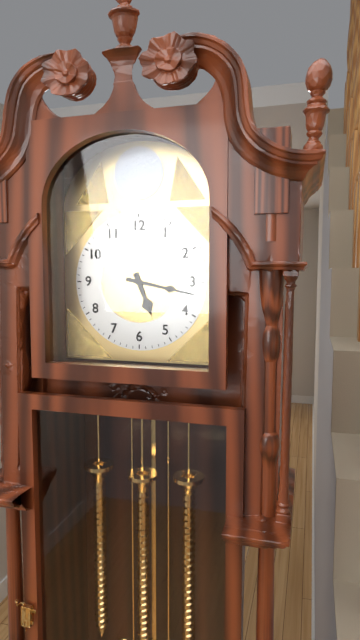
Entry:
5 h 17 min
